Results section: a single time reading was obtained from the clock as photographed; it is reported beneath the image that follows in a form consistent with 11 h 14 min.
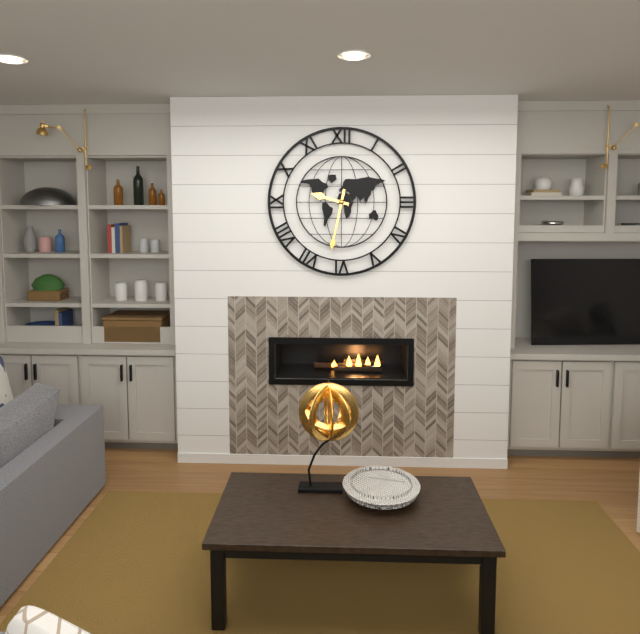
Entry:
9 h 32 min
